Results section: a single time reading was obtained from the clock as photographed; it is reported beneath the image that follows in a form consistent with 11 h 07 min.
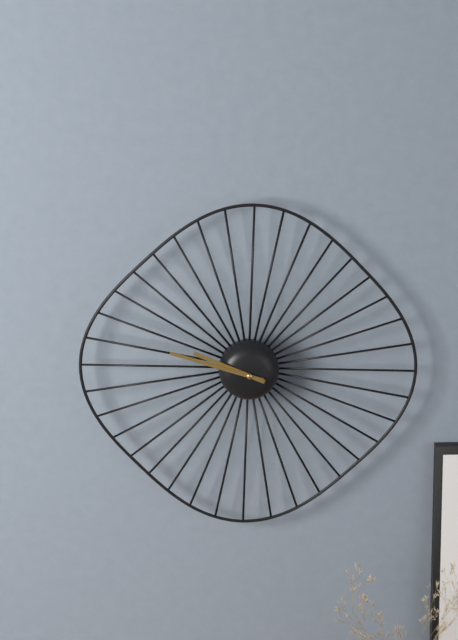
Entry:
9 h 48 min
